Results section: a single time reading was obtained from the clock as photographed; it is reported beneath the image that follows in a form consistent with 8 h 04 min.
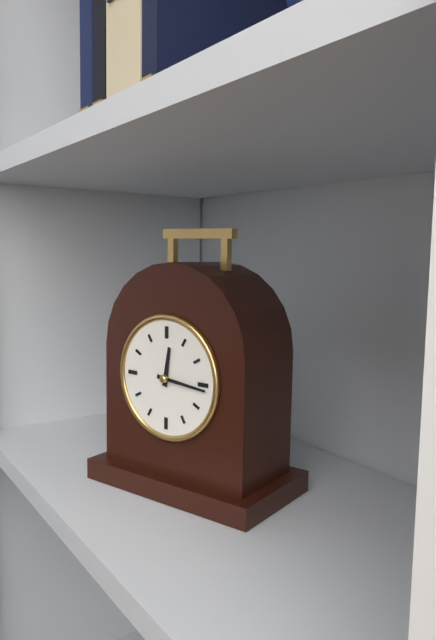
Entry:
12 h 16 min
